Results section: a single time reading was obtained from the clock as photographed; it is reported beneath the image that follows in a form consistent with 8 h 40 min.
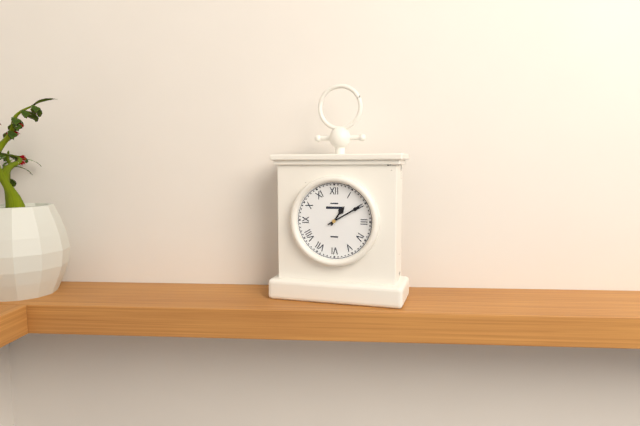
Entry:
1 h 10 min
